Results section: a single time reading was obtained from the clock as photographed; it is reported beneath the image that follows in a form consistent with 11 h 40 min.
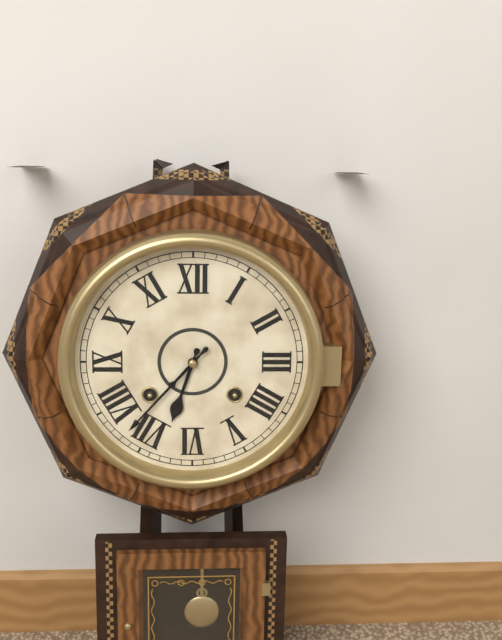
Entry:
6 h 37 min
